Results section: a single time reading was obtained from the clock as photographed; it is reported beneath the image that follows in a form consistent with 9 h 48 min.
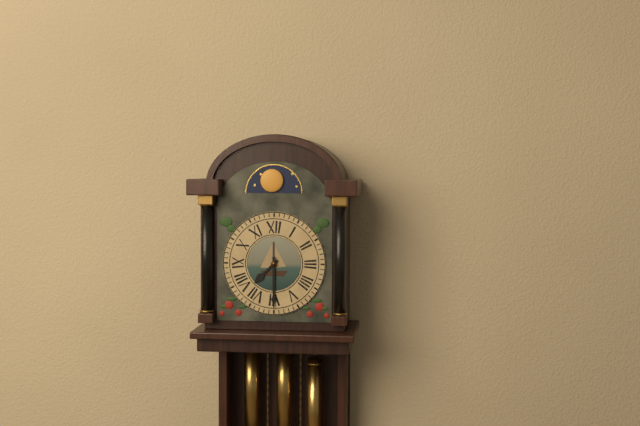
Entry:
7 h 30 min
